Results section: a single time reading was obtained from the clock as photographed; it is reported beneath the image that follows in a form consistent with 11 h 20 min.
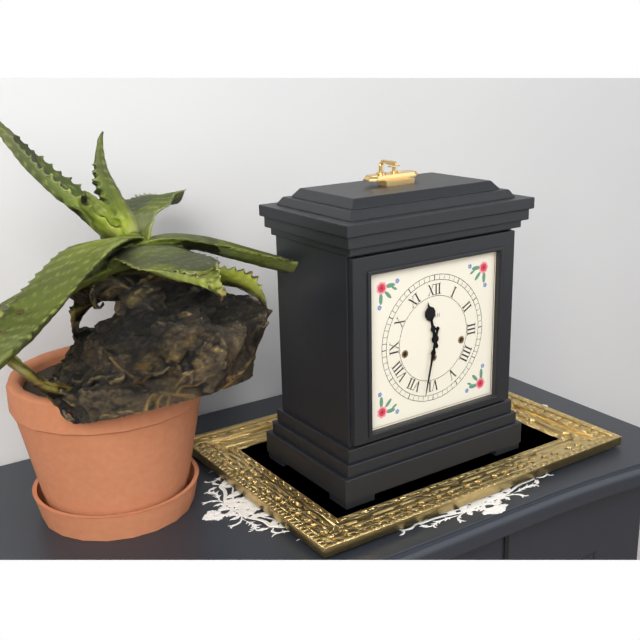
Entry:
11 h 32 min
